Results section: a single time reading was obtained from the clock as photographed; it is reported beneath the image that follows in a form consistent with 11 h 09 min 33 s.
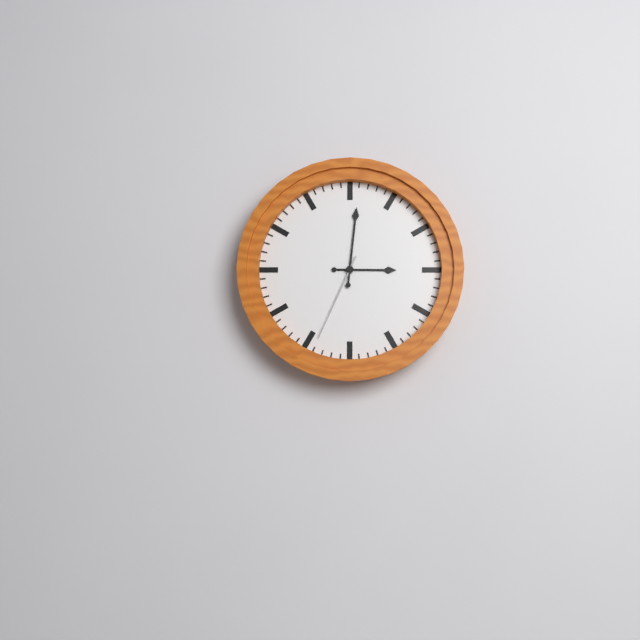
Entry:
3 h 01 min 34 s
